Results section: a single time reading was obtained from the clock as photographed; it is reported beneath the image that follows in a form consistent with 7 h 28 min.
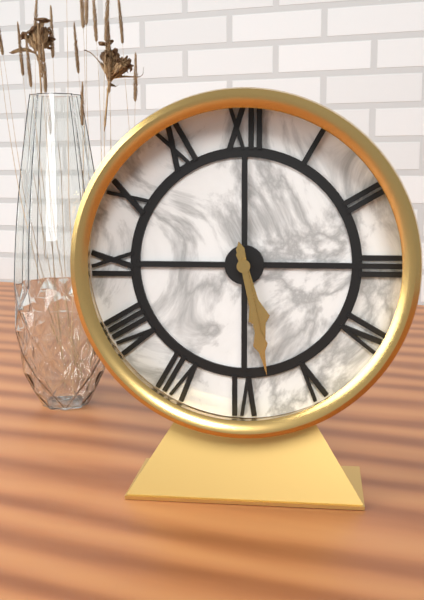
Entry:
5 h 28 min
